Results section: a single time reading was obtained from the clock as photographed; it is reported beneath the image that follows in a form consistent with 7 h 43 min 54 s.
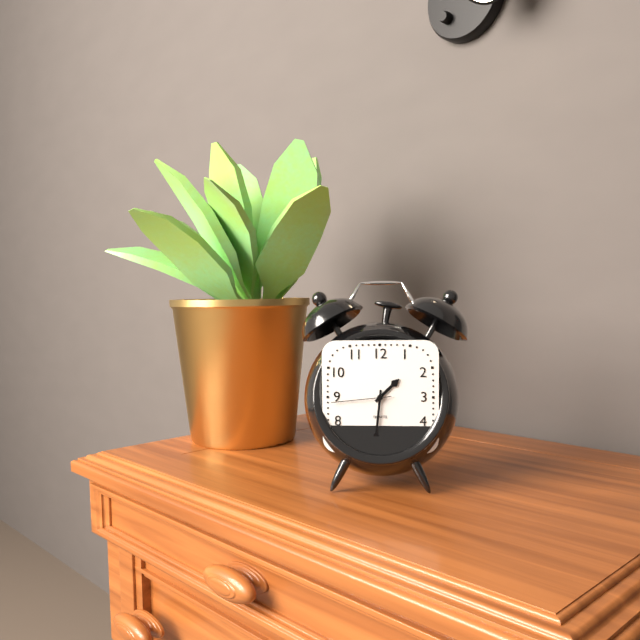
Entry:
1 h 31 min 44 s
